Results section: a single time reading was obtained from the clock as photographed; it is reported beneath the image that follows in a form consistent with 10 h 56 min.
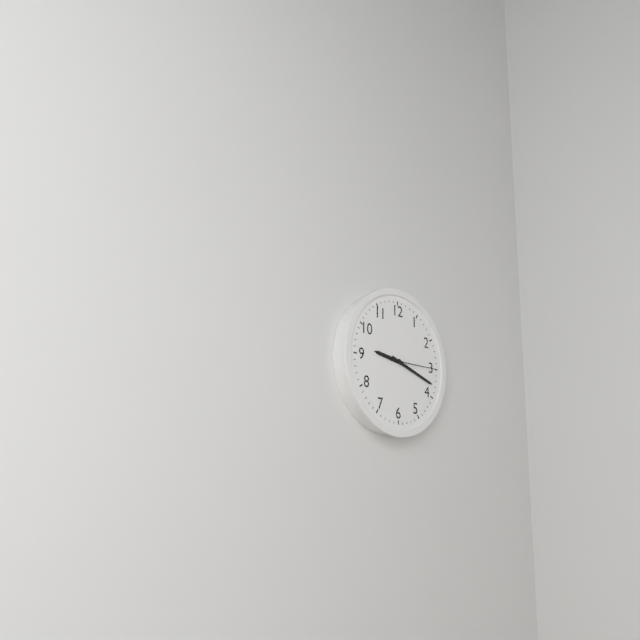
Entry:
9 h 18 min
